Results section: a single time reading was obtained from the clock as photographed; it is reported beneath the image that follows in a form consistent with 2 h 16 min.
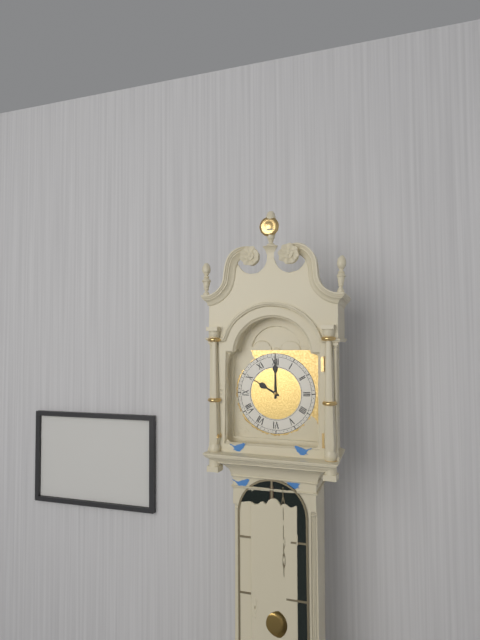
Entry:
10 h 00 min
